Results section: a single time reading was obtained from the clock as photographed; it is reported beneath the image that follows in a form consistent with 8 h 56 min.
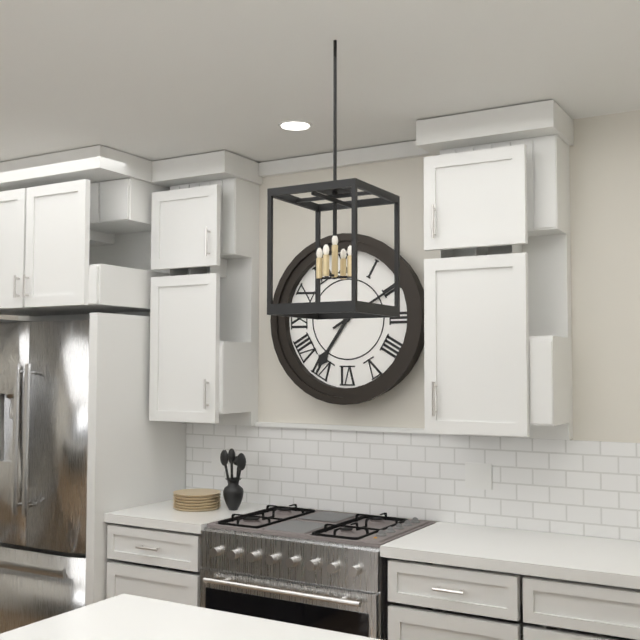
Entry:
7 h 10 min
